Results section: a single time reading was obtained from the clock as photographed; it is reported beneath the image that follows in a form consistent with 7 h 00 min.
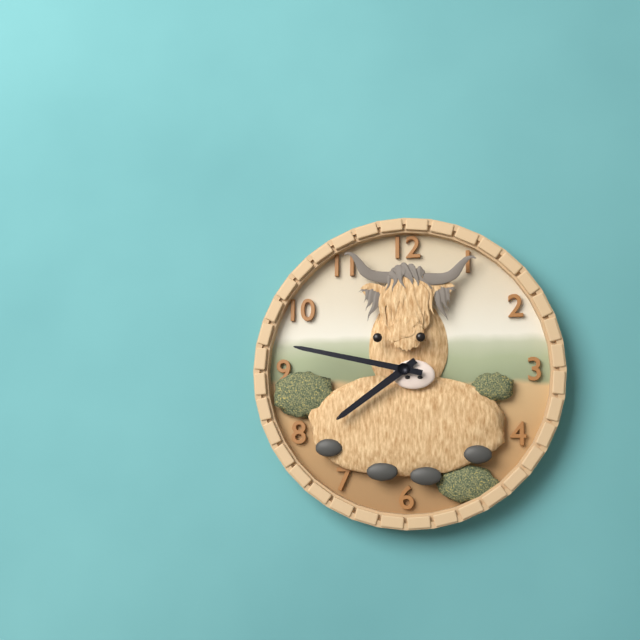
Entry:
7 h 47 min
